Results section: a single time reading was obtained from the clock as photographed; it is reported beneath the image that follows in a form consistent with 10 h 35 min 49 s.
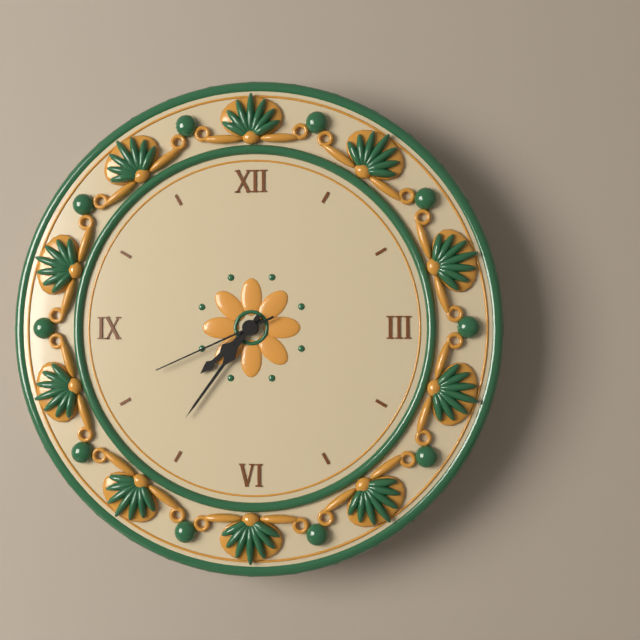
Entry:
7 h 36 min 41 s
